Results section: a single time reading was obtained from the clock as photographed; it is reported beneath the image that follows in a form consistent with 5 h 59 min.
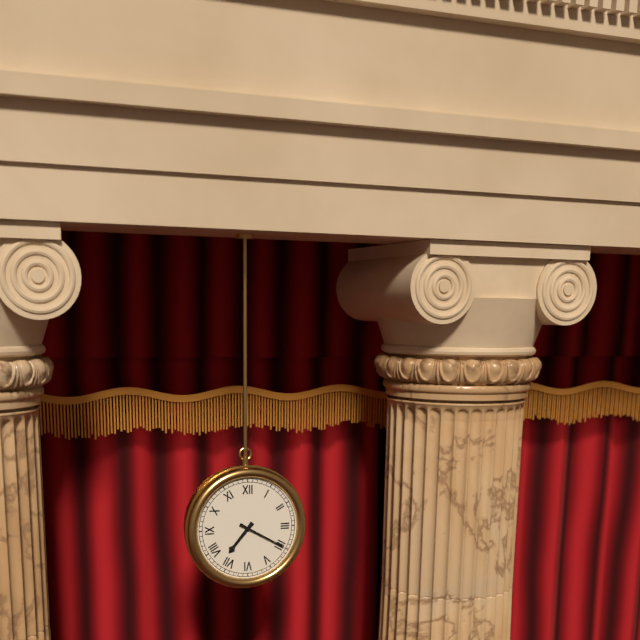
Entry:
7 h 20 min
